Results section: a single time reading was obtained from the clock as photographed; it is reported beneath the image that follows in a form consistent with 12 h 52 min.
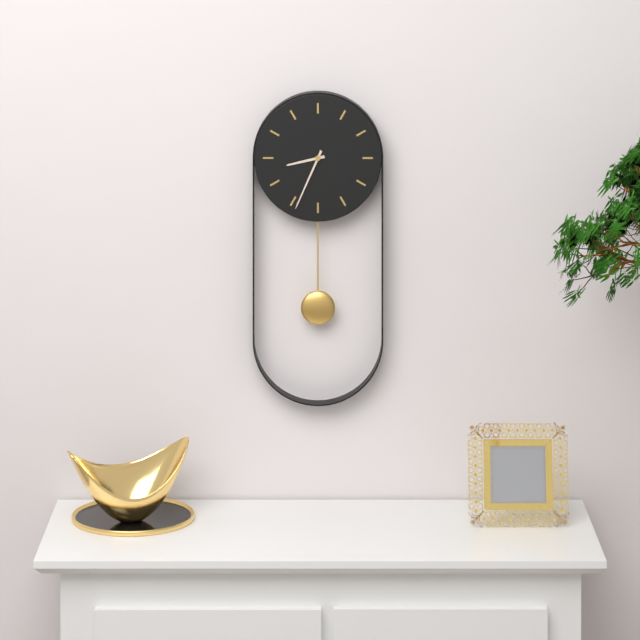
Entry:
8 h 34 min
